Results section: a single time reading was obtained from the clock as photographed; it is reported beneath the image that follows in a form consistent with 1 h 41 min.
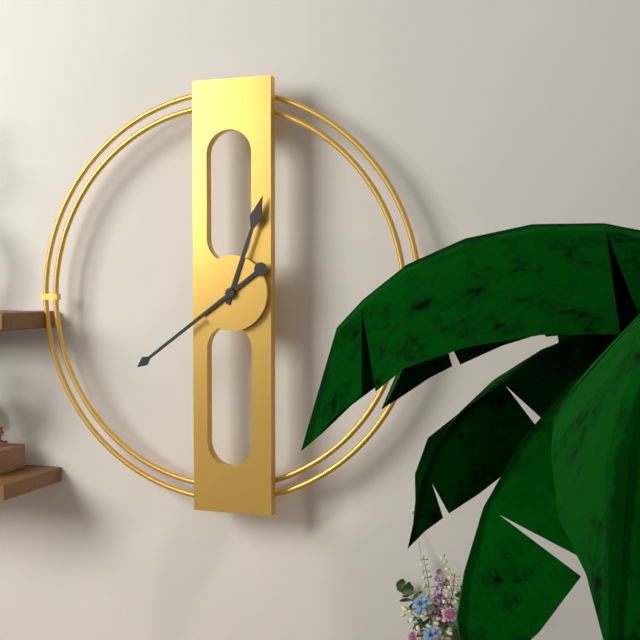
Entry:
12 h 39 min
